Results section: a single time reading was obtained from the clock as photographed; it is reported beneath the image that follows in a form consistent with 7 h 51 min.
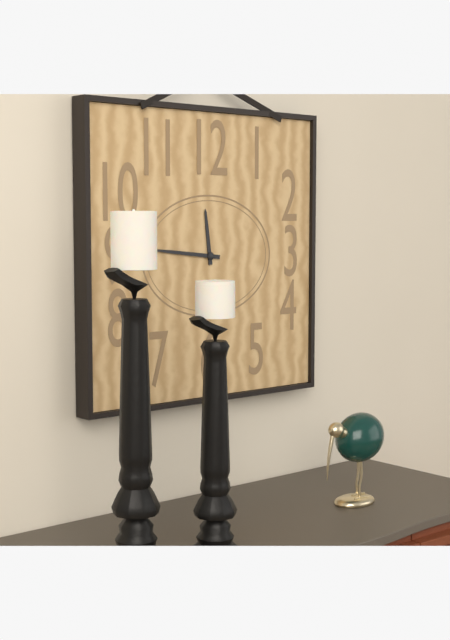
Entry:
11 h 46 min
